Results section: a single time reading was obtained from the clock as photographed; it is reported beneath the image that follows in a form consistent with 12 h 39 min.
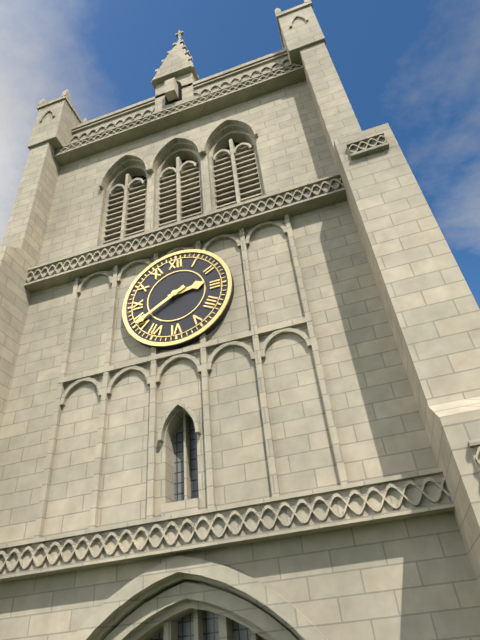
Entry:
2 h 40 min
